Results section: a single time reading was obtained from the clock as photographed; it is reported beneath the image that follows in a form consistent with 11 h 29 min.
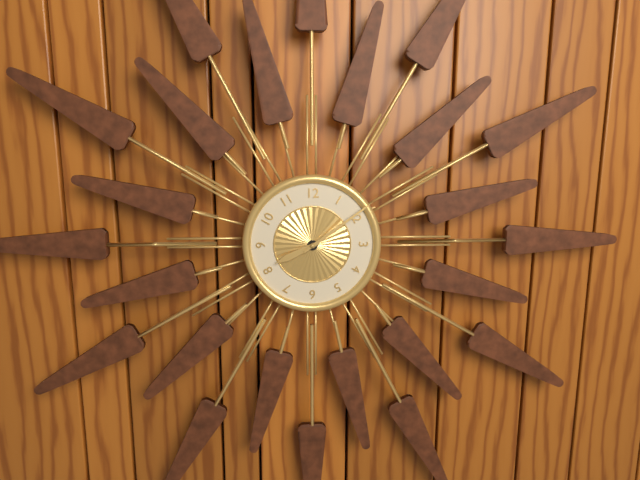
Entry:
8 h 09 min
